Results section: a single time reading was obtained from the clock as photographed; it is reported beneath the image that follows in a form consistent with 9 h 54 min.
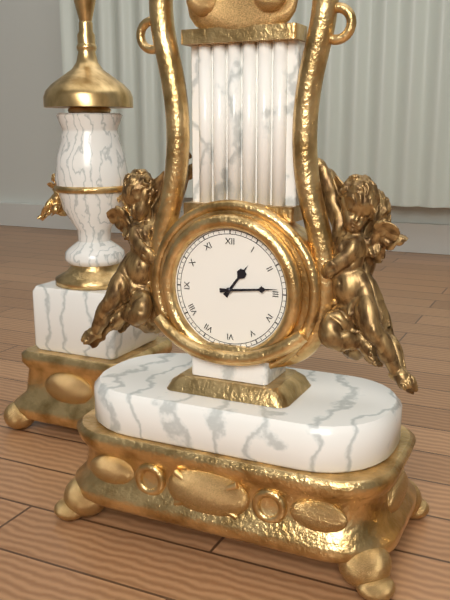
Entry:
1 h 14 min
